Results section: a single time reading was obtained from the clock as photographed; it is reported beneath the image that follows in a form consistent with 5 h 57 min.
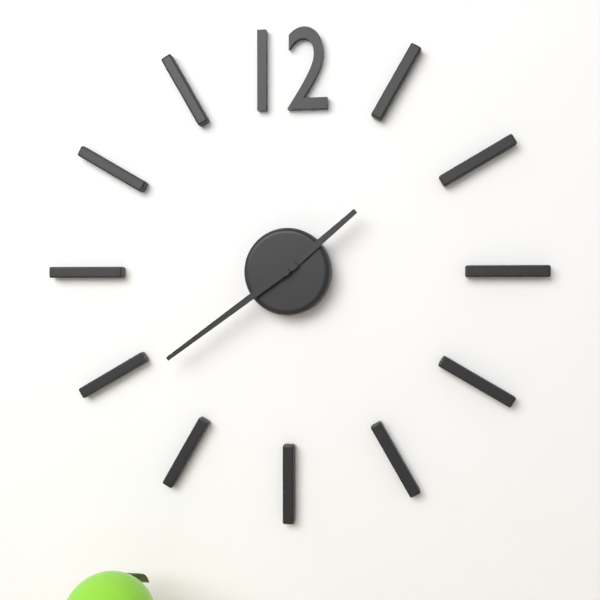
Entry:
1 h 39 min
